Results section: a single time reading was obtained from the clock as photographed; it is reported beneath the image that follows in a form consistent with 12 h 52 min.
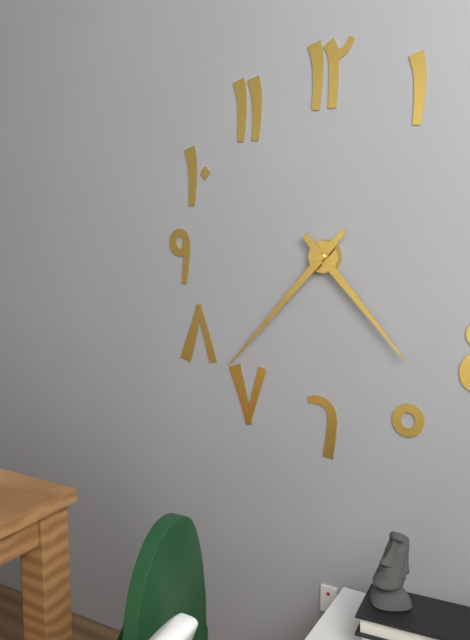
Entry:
4 h 37 min
